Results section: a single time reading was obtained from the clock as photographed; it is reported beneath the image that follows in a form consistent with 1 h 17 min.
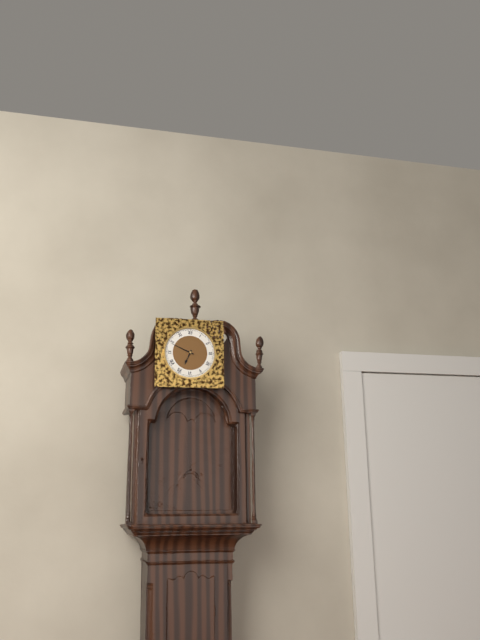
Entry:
6 h 49 min
